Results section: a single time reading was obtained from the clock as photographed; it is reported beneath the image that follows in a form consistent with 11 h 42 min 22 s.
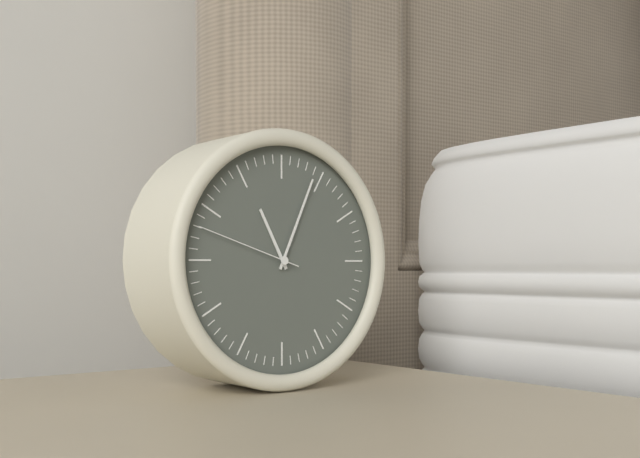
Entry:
11 h 04 min 48 s
